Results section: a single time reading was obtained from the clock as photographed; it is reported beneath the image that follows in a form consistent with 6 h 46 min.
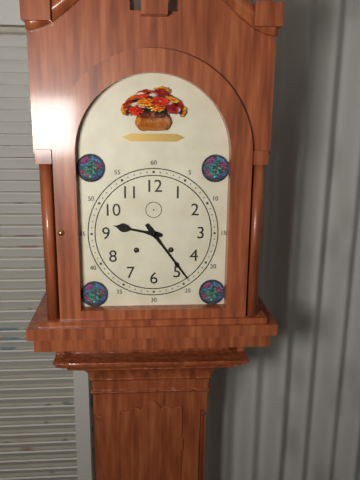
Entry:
9 h 24 min
